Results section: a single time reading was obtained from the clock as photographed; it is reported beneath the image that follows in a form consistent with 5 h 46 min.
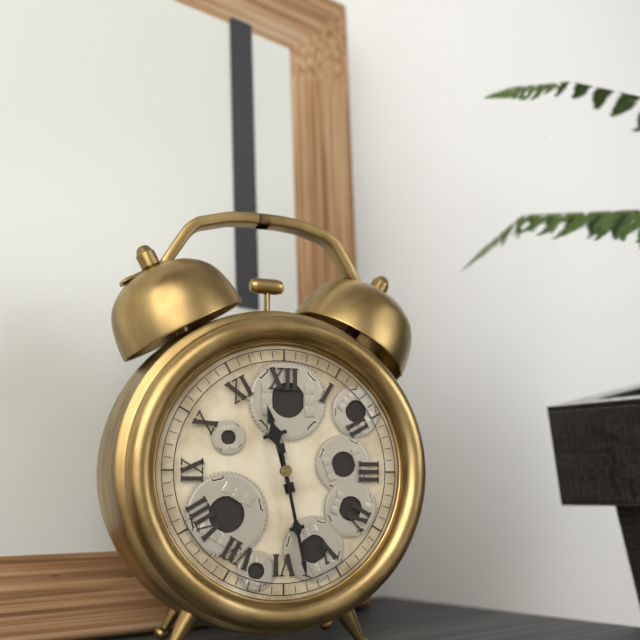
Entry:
11 h 28 min
